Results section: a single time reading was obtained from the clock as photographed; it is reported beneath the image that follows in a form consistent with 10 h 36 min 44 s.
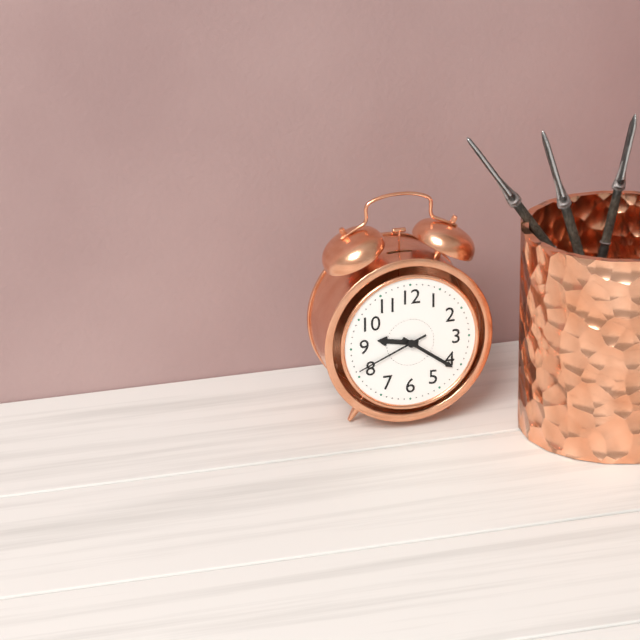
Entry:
9 h 21 min 41 s
